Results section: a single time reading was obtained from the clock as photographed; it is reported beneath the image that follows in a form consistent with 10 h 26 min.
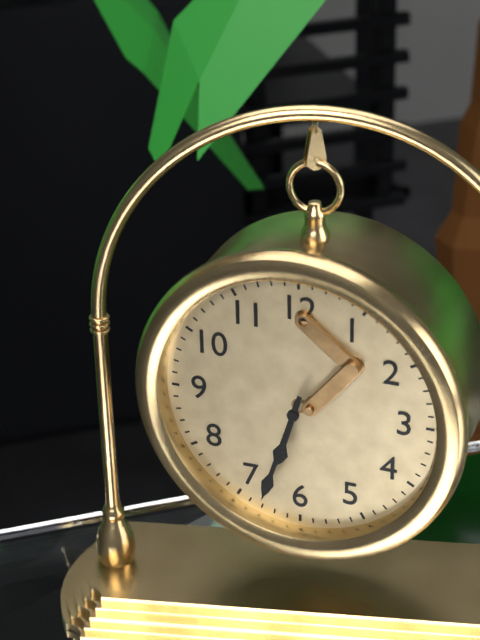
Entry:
6 h 33 min
